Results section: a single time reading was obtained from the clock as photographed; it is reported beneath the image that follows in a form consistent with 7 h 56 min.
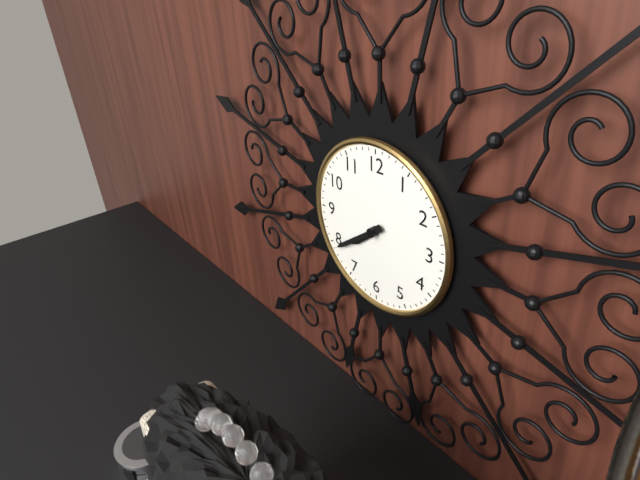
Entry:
7 h 39 min
